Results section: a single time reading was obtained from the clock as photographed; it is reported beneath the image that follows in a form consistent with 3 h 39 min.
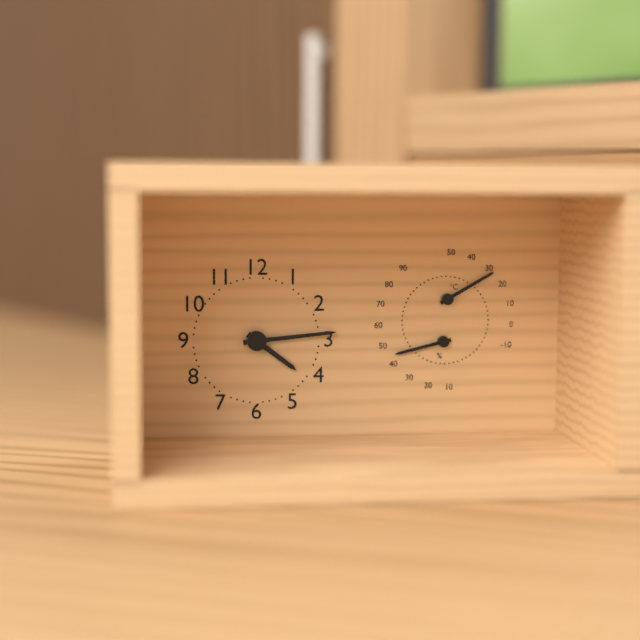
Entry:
4 h 14 min
